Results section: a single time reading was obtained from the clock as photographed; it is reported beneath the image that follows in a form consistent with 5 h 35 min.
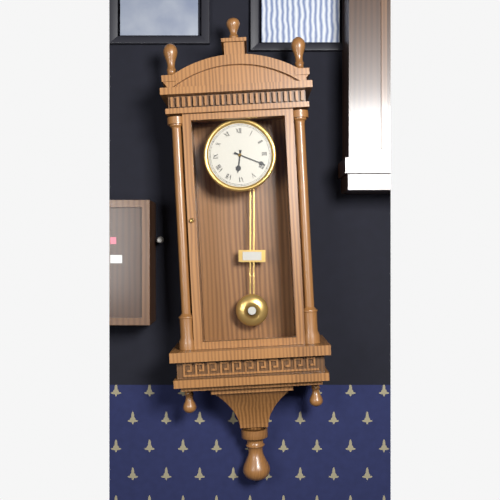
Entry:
6 h 19 min
